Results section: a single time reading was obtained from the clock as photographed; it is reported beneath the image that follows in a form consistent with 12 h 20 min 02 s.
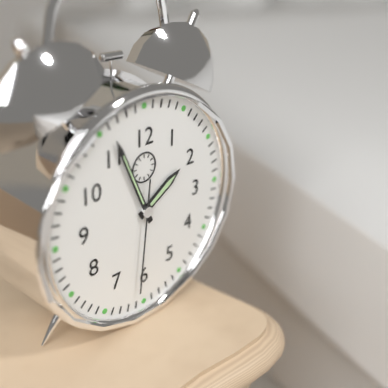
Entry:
1 h 56 min 31 s
